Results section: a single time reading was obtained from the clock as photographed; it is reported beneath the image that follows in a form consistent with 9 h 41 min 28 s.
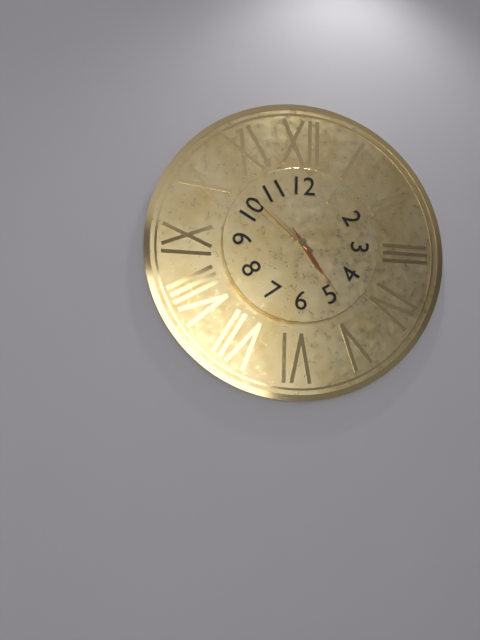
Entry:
4 h 52 min 24 s
